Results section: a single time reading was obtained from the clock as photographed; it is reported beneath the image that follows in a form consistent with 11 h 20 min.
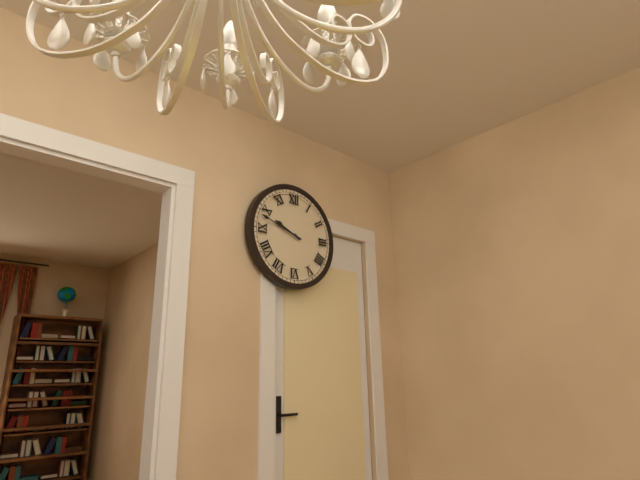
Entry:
9 h 48 min
